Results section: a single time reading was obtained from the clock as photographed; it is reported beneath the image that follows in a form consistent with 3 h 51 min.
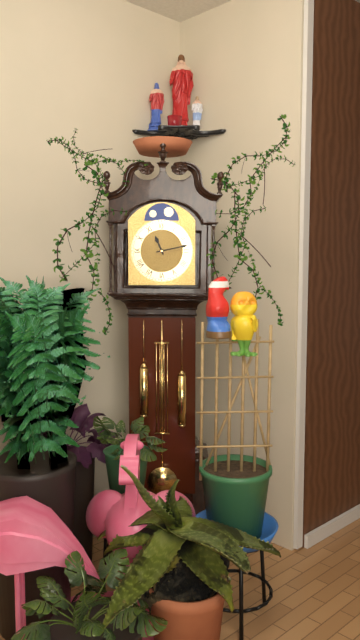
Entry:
11 h 13 min
